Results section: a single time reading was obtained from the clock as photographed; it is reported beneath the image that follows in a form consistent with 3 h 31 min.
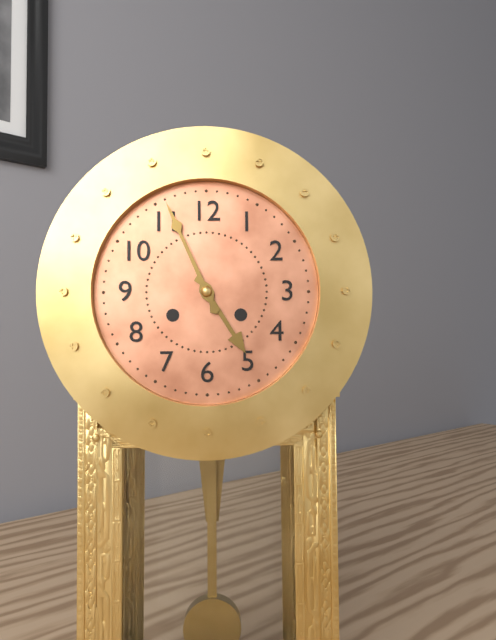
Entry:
4 h 56 min
